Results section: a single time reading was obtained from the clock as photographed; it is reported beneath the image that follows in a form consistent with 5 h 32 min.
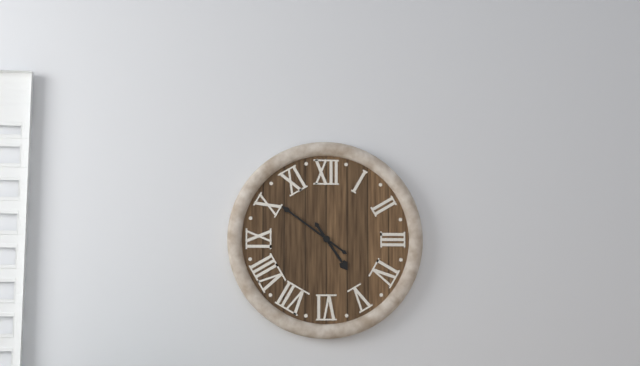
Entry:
4 h 51 min
